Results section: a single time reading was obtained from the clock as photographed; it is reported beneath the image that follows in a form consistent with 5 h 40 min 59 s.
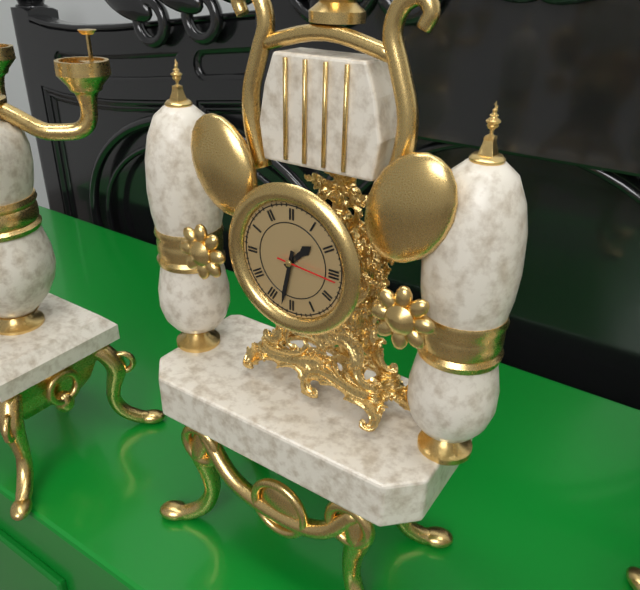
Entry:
1 h 32 min 16 s
